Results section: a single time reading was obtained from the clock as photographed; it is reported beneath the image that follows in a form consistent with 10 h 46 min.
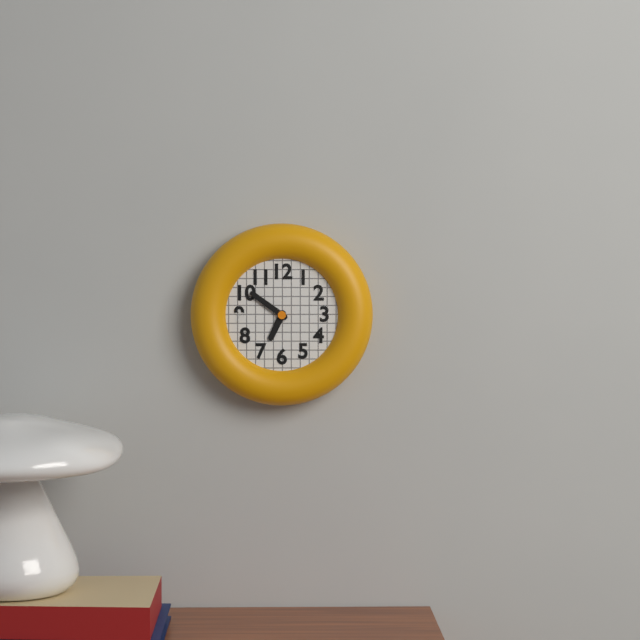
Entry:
6 h 51 min
